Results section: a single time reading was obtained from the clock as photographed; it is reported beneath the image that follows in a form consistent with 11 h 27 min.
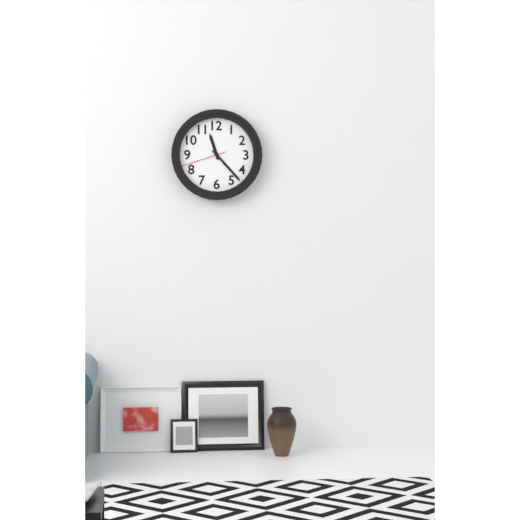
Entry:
11 h 23 min
